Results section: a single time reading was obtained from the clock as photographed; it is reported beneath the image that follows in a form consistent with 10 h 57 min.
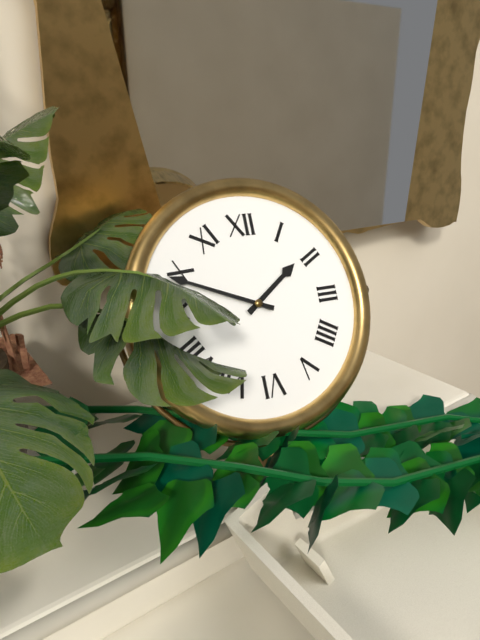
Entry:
1 h 49 min
